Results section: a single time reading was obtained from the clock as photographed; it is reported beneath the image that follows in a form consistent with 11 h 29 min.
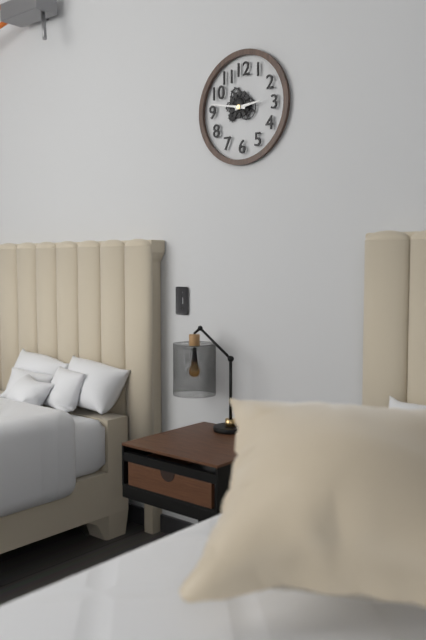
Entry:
2 h 47 min
